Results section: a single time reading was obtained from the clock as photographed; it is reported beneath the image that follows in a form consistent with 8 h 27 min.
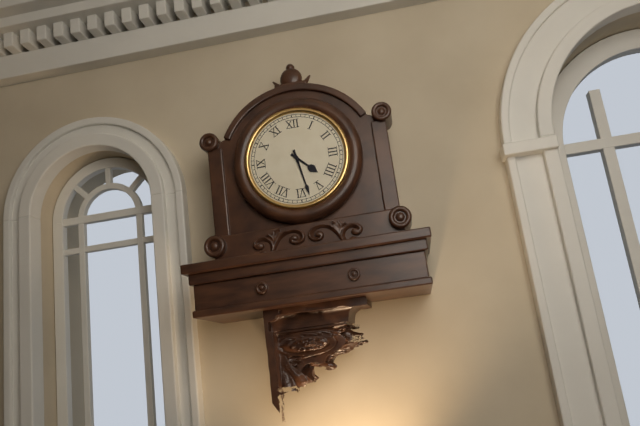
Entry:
4 h 28 min
